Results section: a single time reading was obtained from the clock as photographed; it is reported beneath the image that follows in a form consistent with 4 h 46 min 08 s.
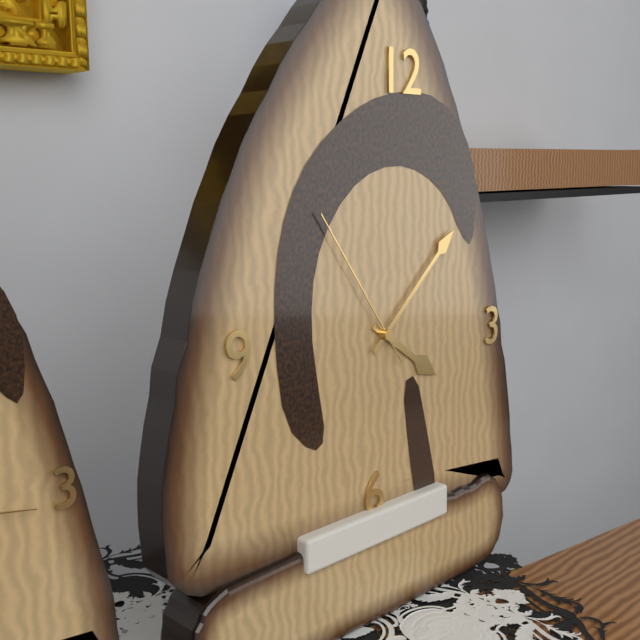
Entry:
4 h 08 min 54 s
